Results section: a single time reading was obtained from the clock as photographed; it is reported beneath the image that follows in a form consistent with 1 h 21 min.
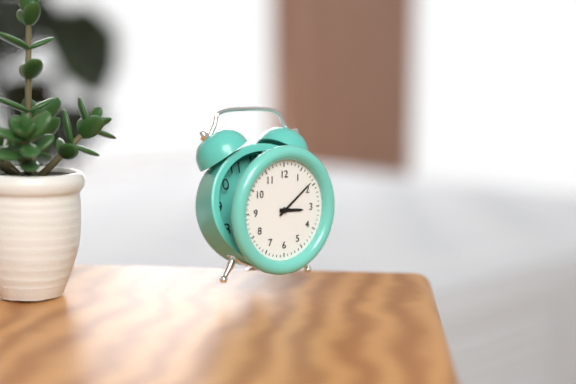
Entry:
3 h 09 min
